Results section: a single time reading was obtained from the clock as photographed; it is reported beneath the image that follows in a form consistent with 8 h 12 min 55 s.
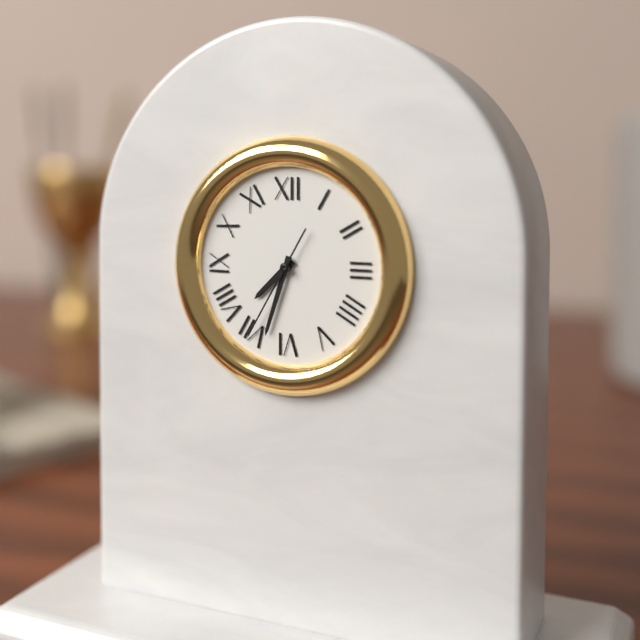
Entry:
7 h 33 min 35 s
